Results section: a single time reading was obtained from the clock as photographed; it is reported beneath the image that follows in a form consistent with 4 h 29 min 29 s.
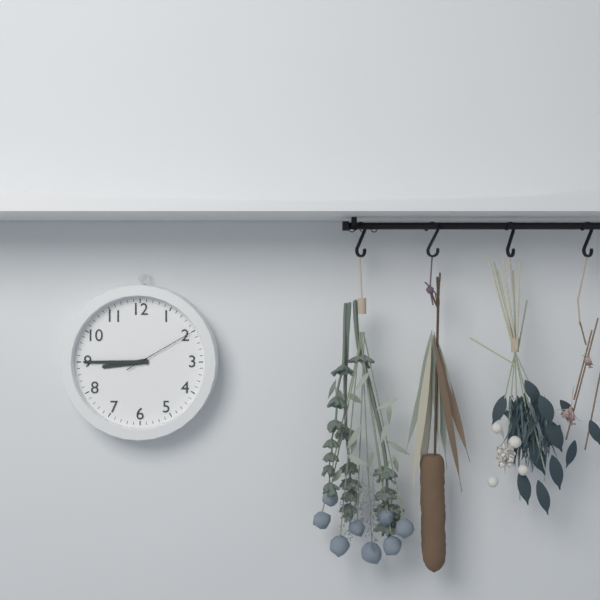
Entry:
8 h 45 min 10 s
